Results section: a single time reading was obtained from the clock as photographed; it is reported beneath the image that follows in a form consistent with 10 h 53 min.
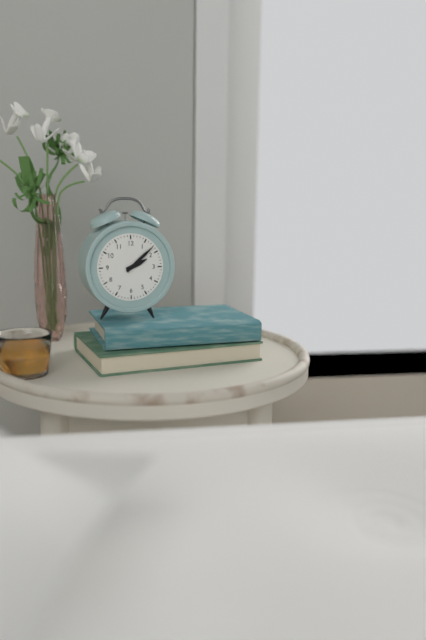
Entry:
2 h 08 min
